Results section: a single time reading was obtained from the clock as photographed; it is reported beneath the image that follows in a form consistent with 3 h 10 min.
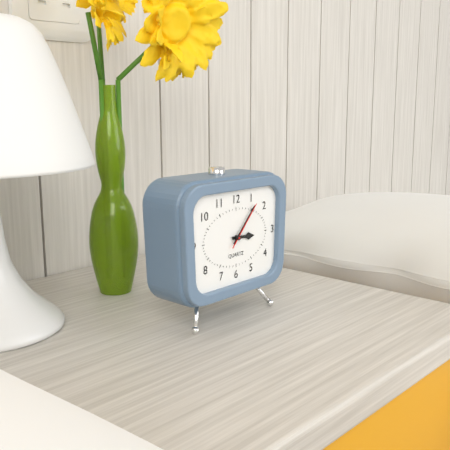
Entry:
3 h 07 min
